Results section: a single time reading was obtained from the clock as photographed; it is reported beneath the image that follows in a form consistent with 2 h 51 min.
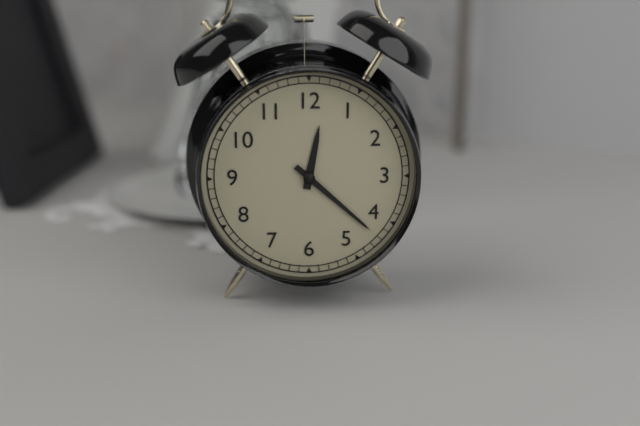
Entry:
12 h 22 min
